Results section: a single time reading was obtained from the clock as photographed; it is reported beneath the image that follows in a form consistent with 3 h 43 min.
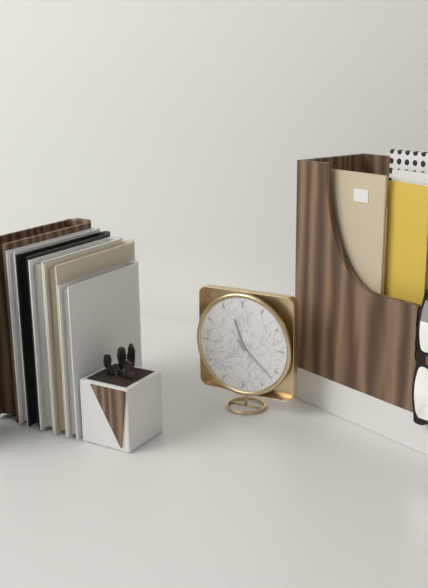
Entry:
11 h 22 min
